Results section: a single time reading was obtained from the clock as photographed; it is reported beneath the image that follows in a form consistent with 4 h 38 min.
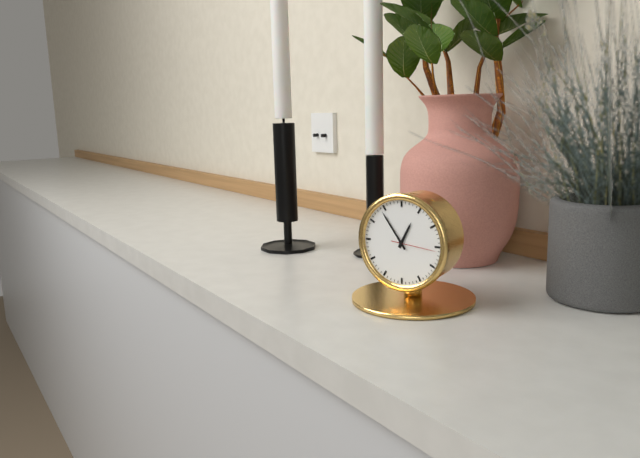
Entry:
12 h 54 min
